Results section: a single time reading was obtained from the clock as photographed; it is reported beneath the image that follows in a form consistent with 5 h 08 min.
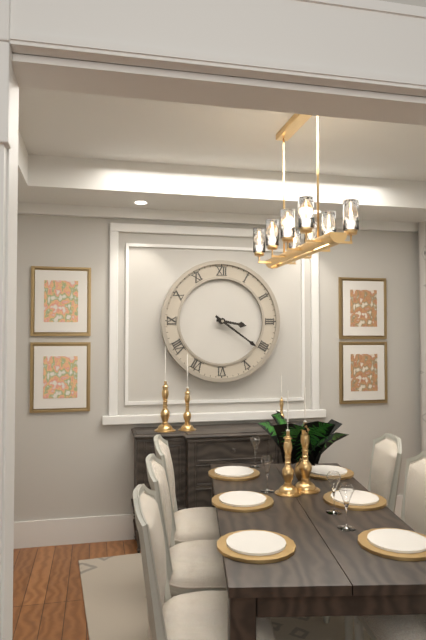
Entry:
3 h 21 min
